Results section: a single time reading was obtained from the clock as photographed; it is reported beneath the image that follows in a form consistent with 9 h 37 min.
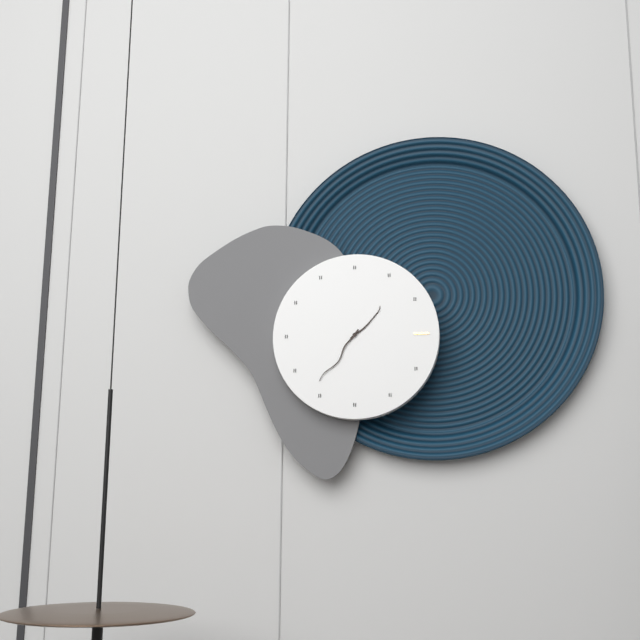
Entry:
1 h 36 min
